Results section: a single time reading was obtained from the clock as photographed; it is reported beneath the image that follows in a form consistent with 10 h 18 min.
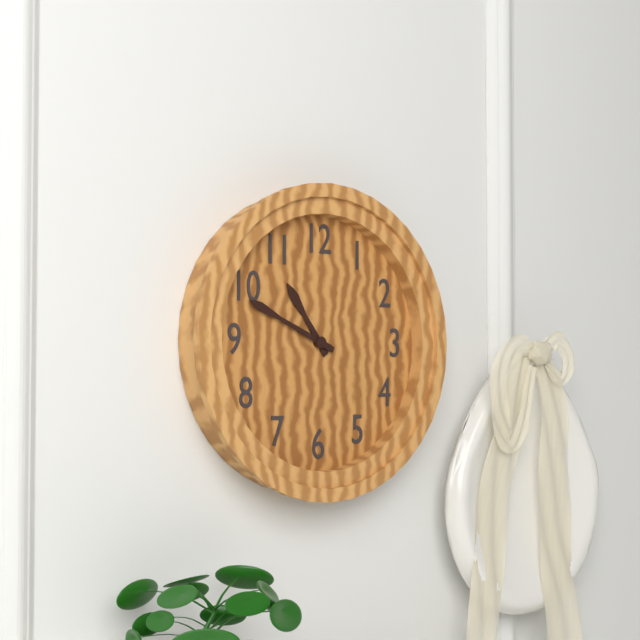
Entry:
10 h 49 min
